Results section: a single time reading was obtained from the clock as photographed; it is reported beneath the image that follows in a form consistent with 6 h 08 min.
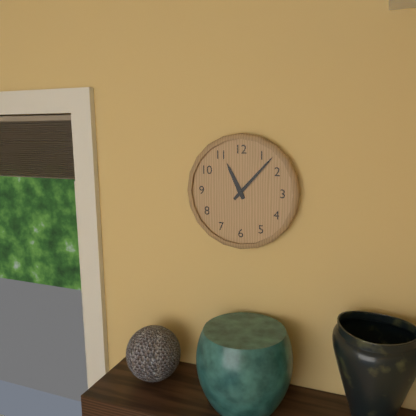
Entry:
11 h 07 min
